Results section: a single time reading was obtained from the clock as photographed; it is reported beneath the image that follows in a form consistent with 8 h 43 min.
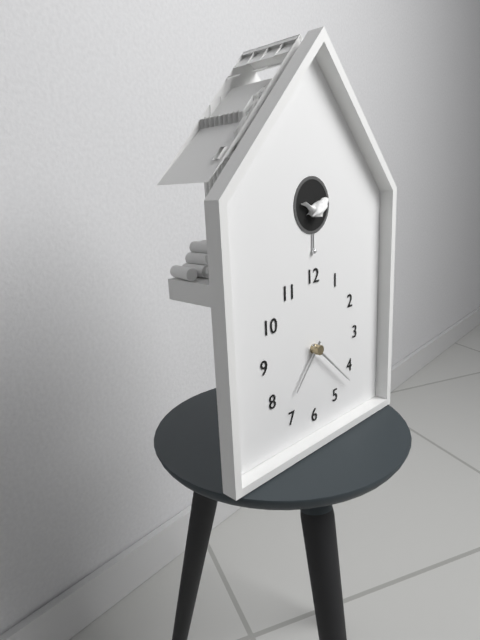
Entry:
7 h 22 min
